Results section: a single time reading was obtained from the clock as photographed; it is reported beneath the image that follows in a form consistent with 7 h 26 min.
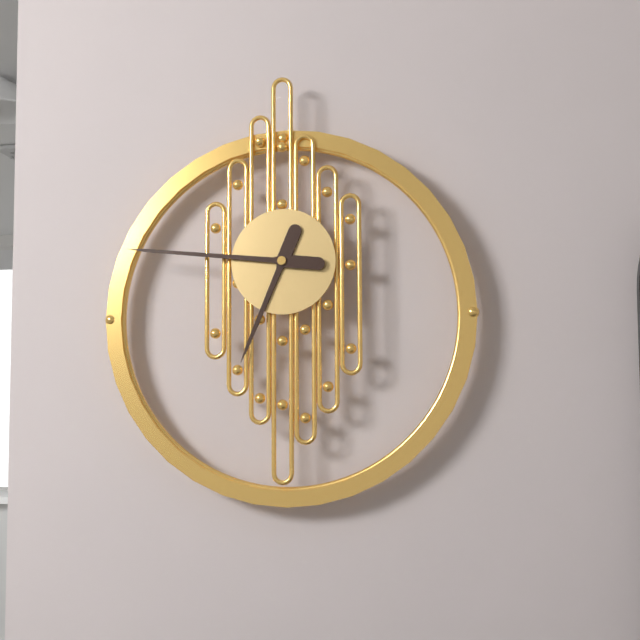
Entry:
6 h 46 min
